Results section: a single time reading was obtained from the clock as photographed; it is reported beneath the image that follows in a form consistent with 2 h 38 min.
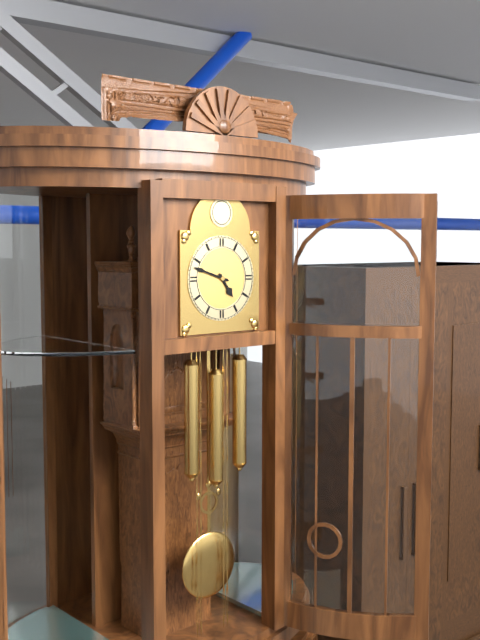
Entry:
4 h 48 min
